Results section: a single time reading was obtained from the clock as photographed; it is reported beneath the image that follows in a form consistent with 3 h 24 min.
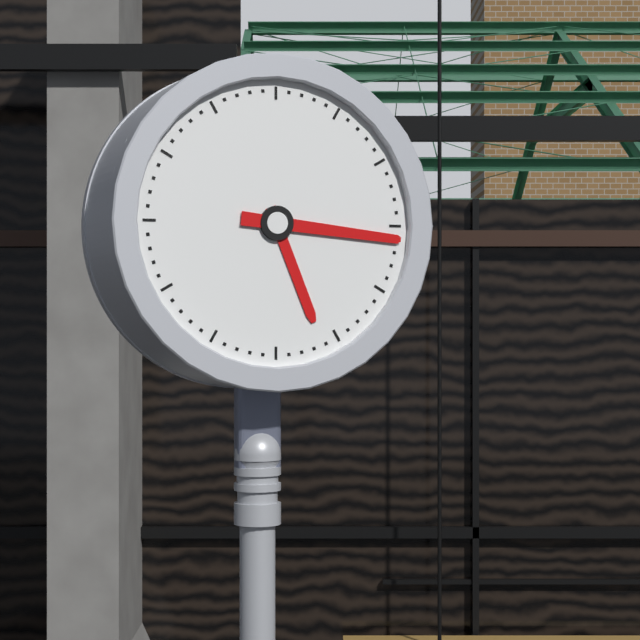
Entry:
5 h 16 min
